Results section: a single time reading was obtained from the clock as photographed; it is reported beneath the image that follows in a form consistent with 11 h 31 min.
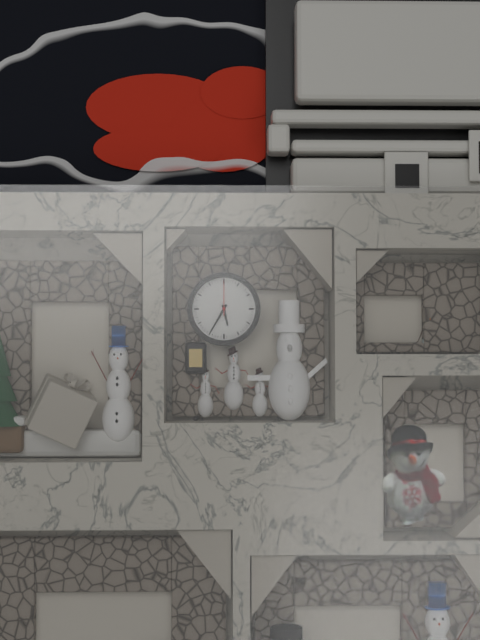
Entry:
5 h 35 min
